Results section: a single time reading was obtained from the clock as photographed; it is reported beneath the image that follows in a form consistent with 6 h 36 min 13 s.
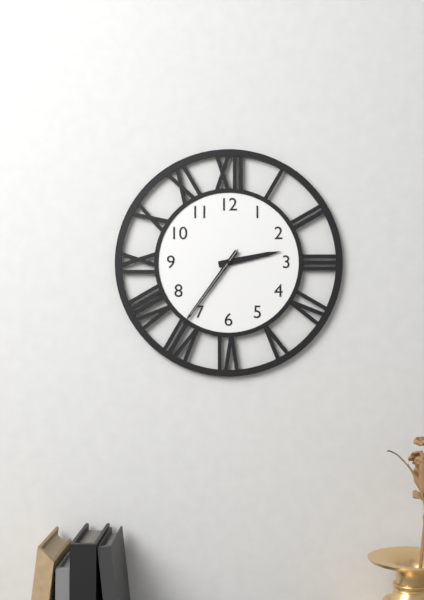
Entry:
2 h 36 min 36 s
